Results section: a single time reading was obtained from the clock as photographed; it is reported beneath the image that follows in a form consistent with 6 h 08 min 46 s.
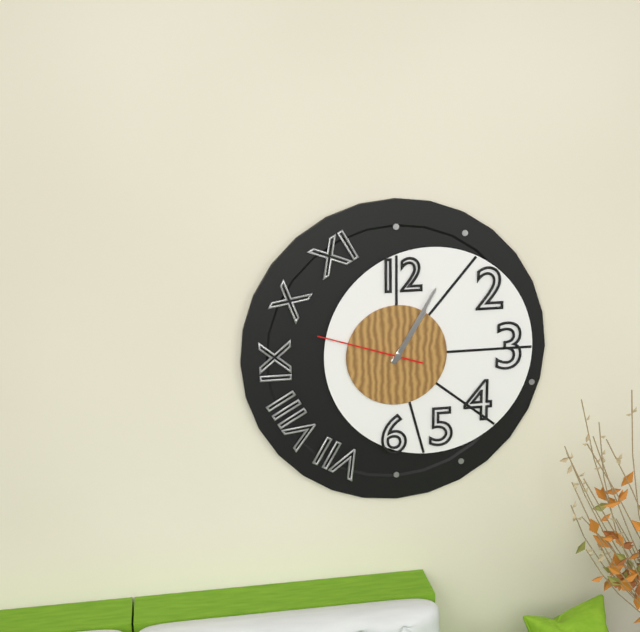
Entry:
1 h 05 min 48 s
